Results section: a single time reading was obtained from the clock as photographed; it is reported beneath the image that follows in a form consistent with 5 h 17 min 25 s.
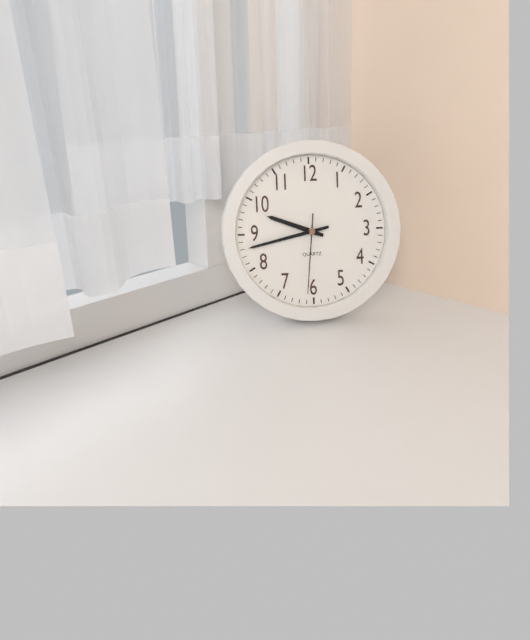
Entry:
9 h 43 min 31 s
